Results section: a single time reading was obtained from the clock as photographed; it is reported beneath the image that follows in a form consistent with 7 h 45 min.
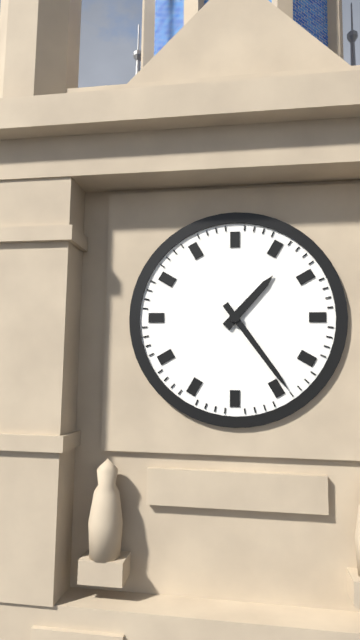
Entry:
1 h 24 min
